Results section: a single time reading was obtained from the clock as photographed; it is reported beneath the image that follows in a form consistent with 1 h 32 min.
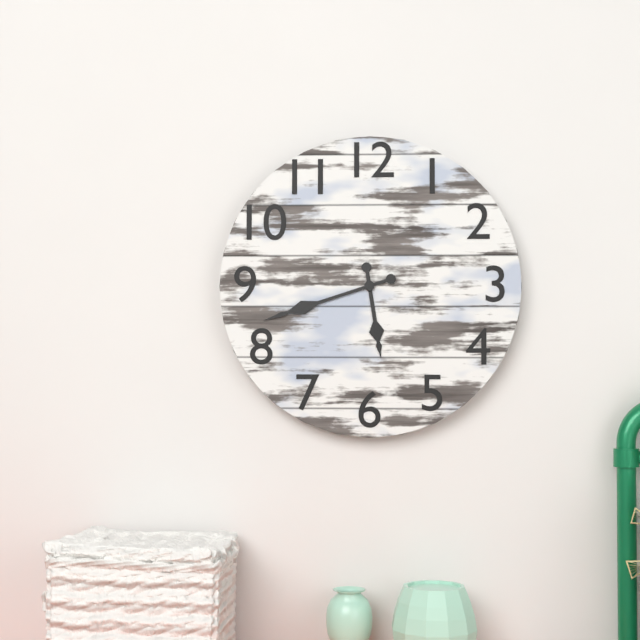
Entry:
5 h 42 min
